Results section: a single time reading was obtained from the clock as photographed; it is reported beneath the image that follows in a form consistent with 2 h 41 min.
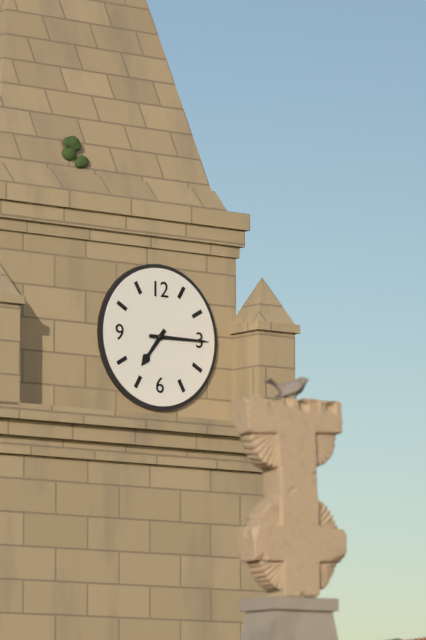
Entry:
7 h 15 min
